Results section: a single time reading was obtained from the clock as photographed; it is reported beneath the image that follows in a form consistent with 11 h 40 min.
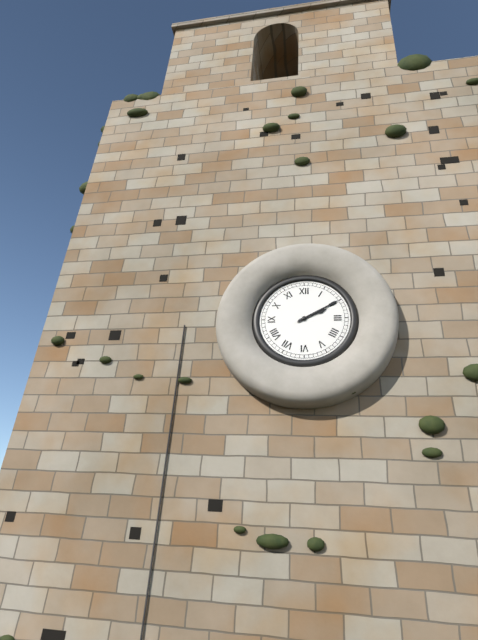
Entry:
2 h 10 min
